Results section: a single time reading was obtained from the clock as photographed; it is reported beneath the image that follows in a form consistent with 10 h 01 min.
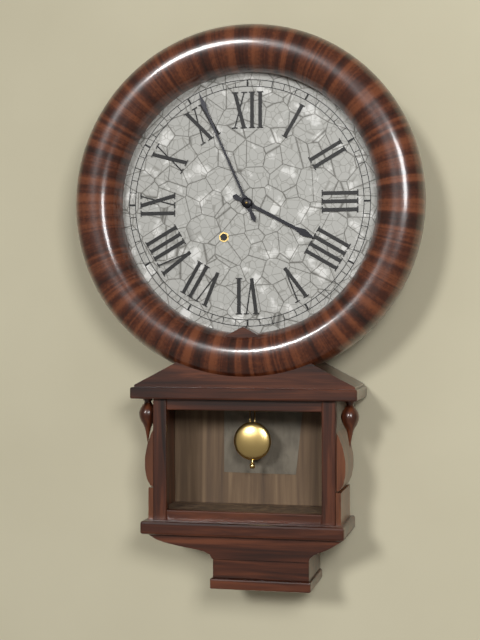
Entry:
3 h 56 min
